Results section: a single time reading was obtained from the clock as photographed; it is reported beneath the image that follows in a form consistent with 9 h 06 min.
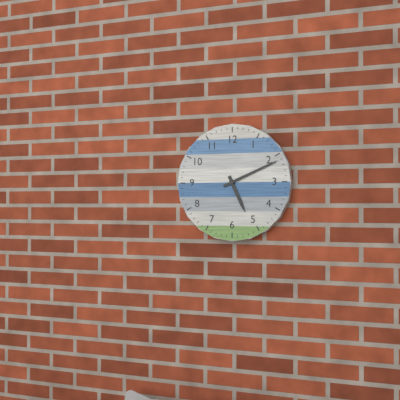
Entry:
5 h 11 min
